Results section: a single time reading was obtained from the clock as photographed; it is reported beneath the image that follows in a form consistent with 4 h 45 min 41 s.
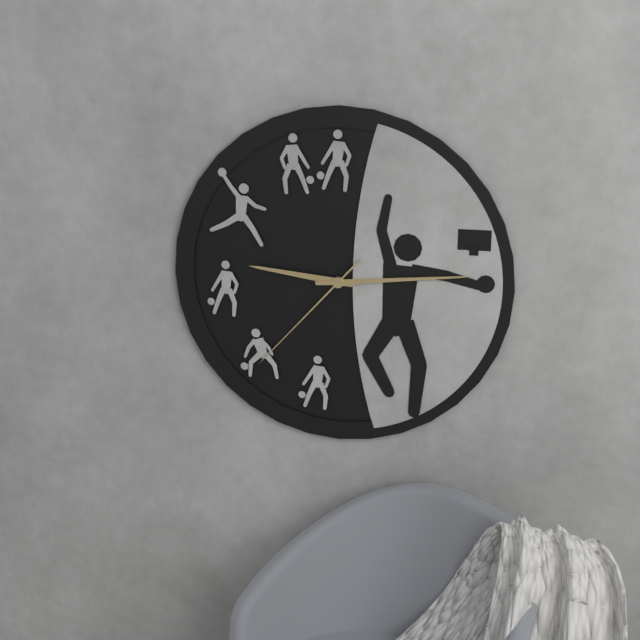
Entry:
9 h 14 min 37 s
